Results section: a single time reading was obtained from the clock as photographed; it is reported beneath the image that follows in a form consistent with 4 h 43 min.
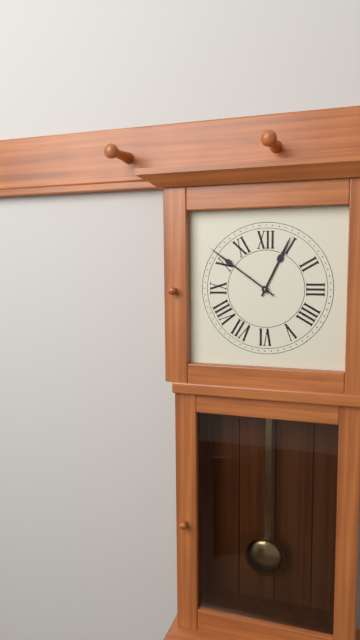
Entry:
12 h 51 min
